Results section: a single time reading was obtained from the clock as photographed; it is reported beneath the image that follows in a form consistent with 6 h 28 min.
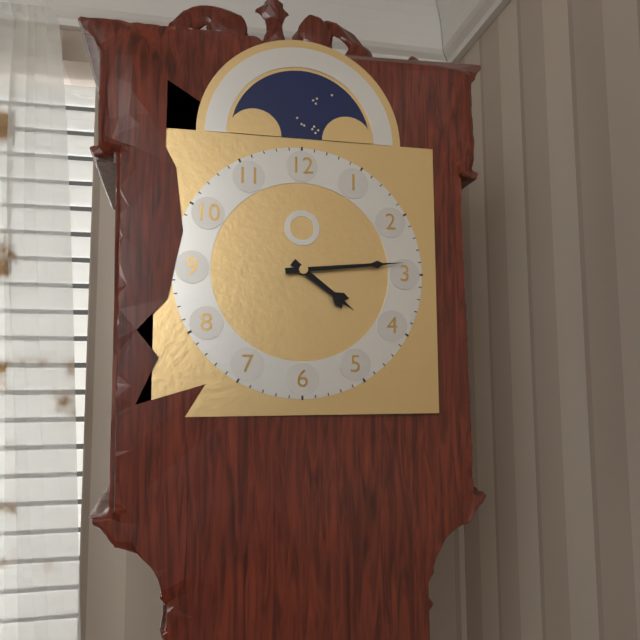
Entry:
4 h 14 min
